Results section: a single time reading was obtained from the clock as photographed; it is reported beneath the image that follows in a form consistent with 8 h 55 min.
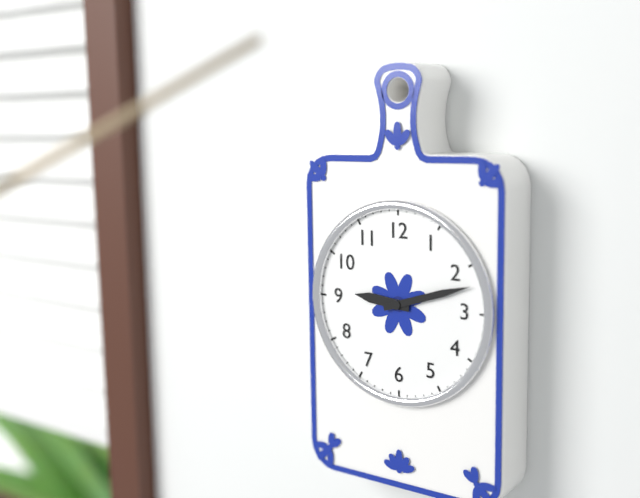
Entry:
9 h 12 min
